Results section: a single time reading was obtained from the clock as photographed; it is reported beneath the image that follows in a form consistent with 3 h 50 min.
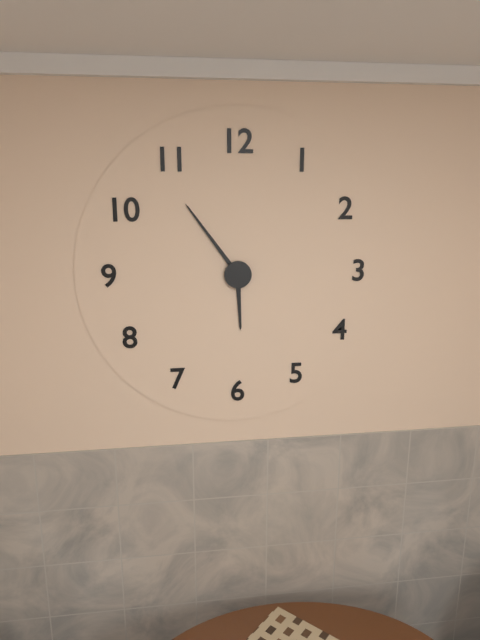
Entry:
5 h 54 min
